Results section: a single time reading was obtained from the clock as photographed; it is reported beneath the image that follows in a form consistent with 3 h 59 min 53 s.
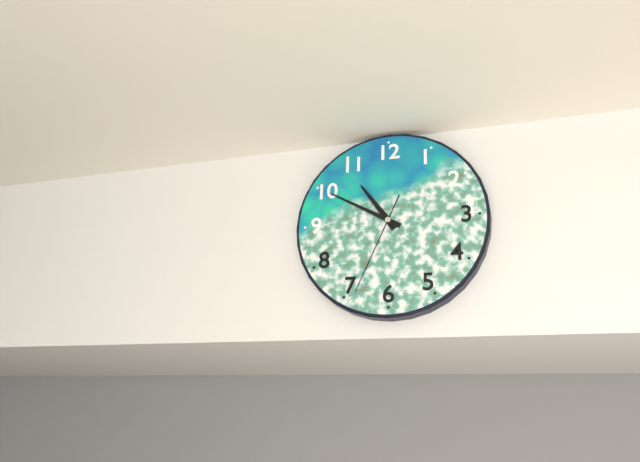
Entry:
10 h 50 min 34 s
